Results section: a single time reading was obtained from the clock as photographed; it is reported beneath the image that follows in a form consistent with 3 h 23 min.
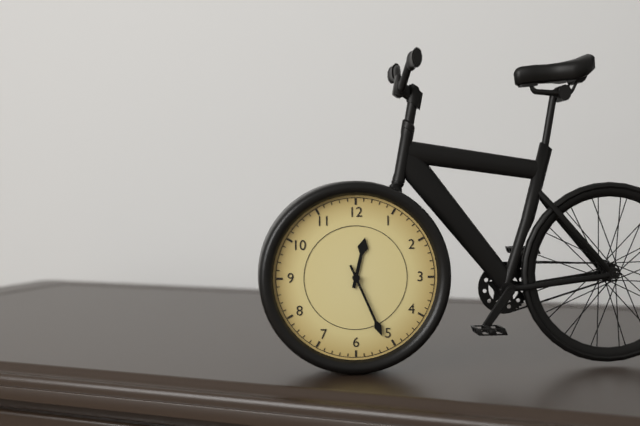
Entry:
12 h 26 min
